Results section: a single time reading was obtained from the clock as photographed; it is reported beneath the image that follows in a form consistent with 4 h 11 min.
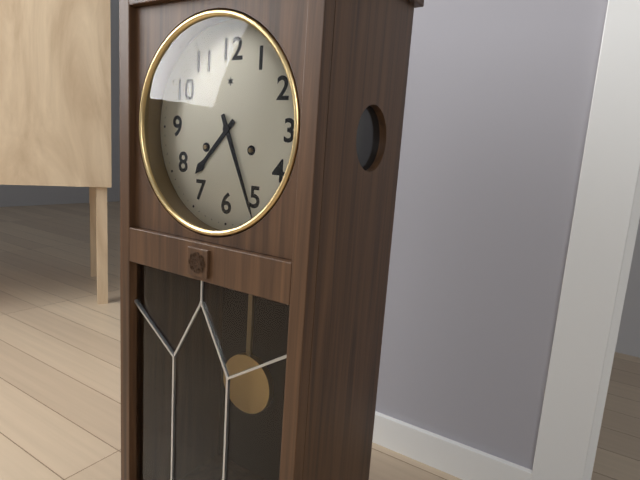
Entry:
7 h 26 min
